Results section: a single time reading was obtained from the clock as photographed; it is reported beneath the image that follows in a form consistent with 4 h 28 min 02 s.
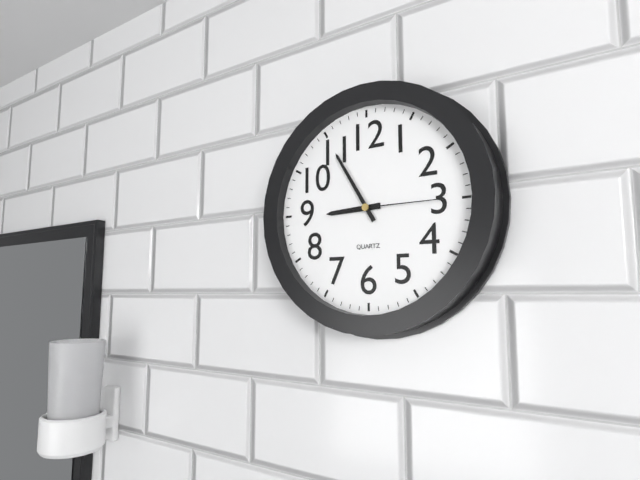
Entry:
8 h 55 min 15 s
